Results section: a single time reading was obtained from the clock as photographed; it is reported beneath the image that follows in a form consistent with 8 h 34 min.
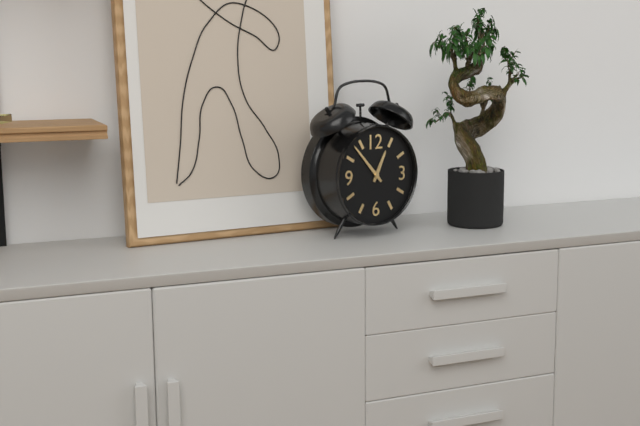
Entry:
12 h 53 min
